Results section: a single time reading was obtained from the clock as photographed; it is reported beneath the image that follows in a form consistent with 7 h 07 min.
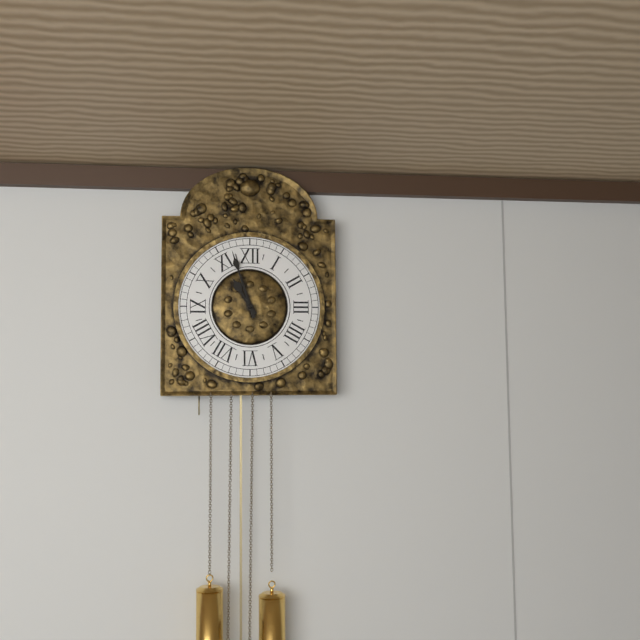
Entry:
10 h 57 min
